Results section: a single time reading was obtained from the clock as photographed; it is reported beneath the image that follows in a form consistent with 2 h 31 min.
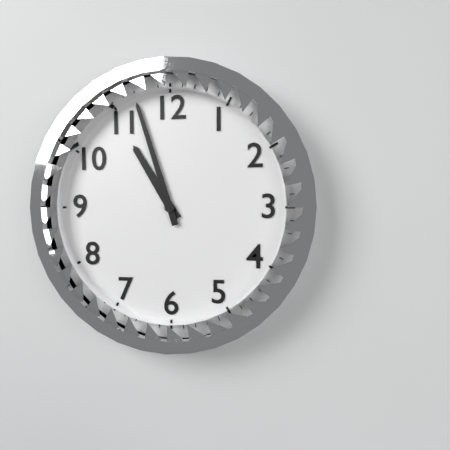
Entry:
10 h 57 min
